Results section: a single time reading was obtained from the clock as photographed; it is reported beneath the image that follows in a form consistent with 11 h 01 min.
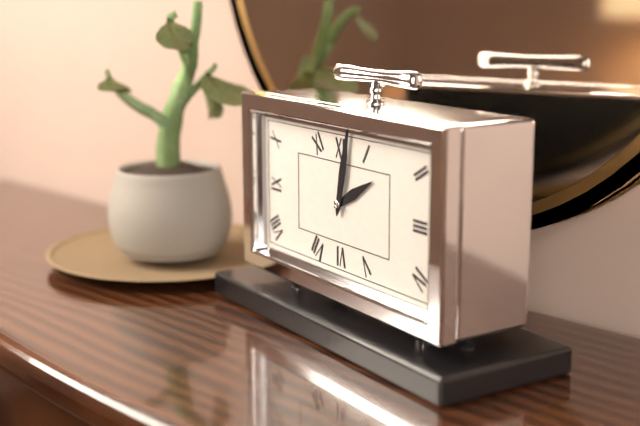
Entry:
2 h 02 min
